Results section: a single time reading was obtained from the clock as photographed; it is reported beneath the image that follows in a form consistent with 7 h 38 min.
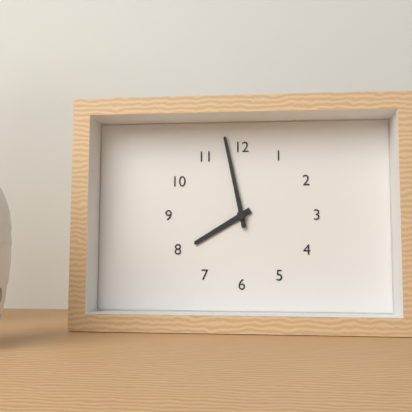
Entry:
7 h 58 min
